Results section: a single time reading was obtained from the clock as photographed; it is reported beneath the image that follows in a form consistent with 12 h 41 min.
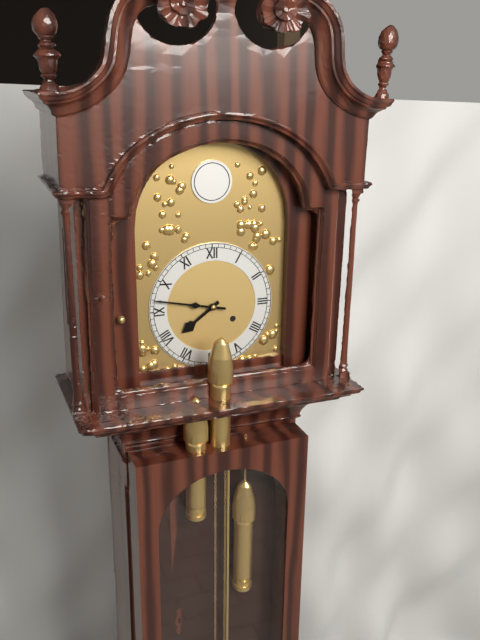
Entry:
7 h 47 min
